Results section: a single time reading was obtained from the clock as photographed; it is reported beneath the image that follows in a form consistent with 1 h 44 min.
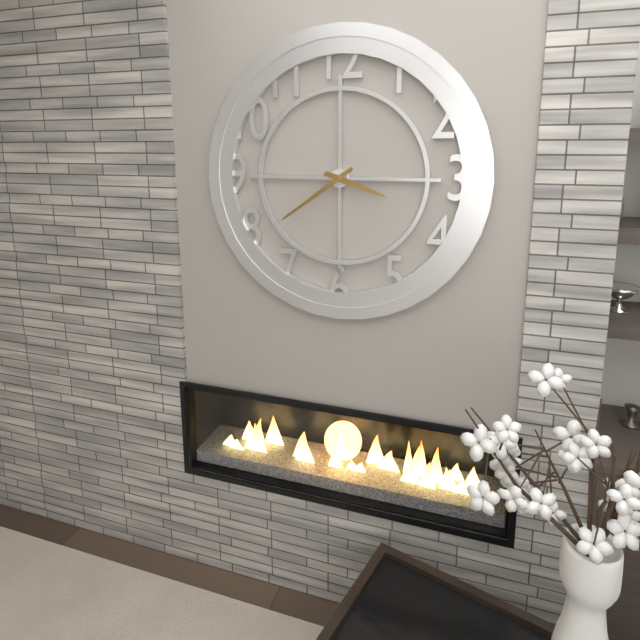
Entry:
3 h 39 min
